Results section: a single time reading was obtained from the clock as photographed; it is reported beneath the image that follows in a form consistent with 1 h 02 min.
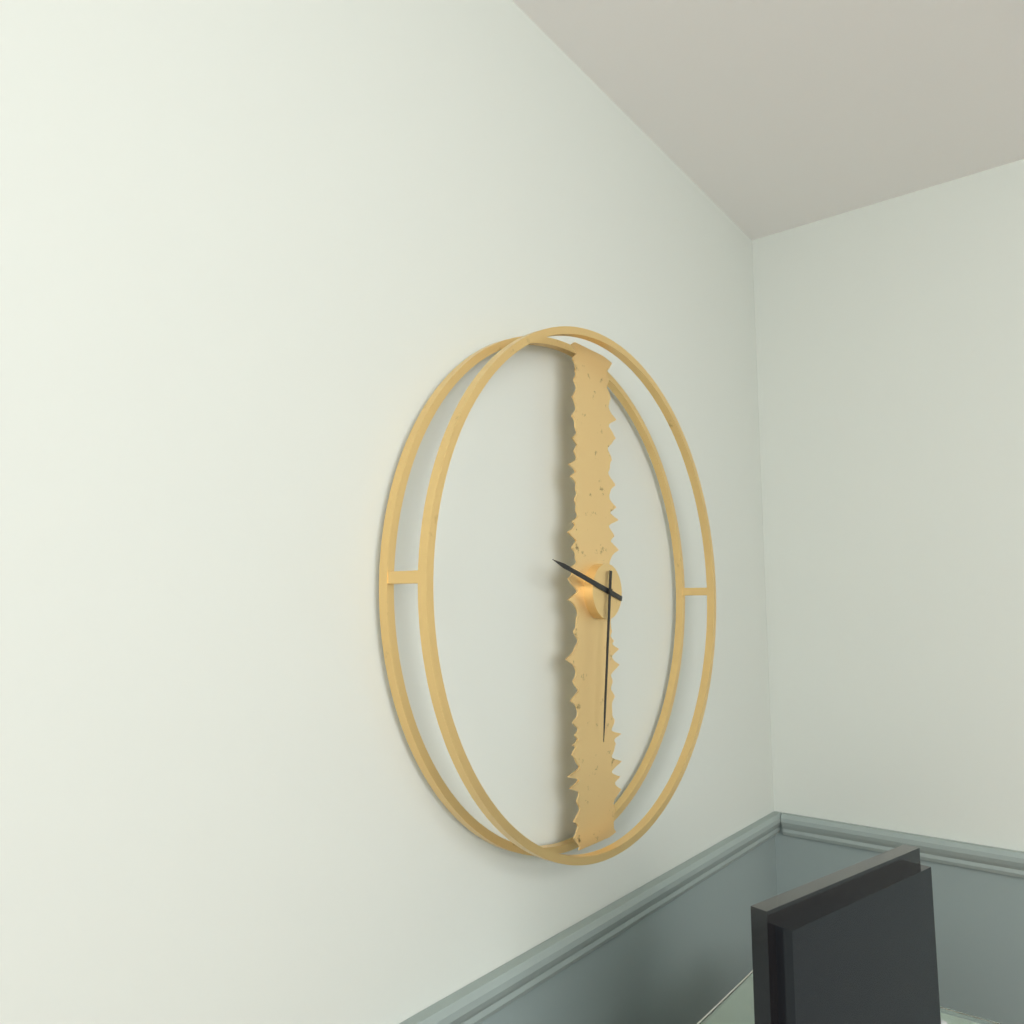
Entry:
9 h 31 min
